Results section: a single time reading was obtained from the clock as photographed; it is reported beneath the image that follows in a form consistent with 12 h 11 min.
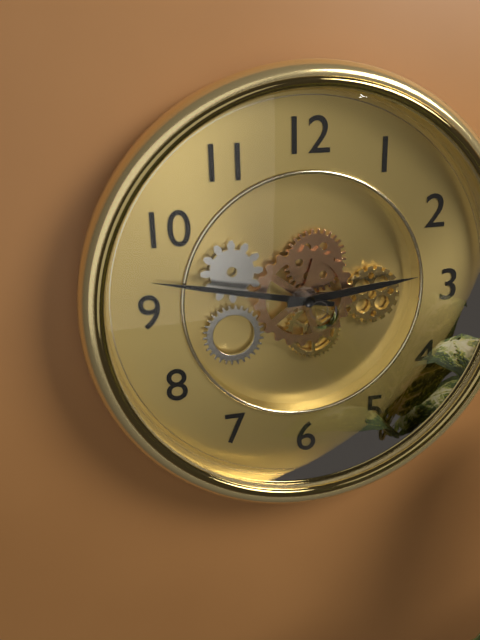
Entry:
2 h 47 min
